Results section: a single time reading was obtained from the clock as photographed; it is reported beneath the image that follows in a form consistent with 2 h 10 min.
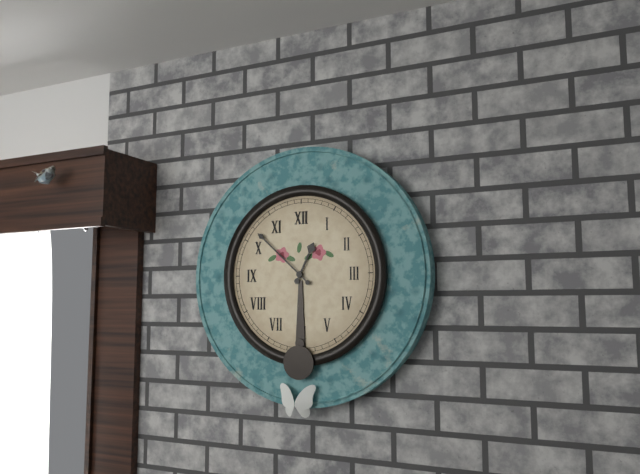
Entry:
12 h 52 min
